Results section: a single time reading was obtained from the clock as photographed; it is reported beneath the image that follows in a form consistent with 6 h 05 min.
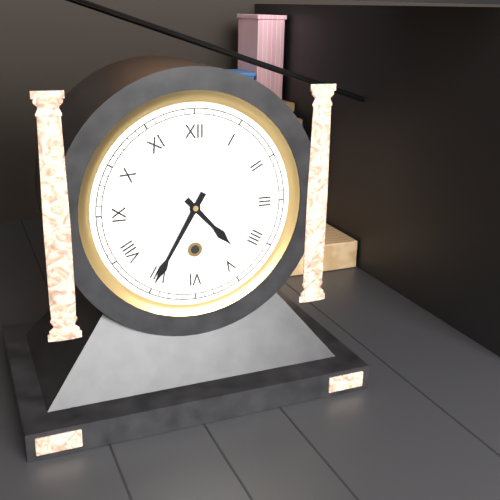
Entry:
4 h 35 min
